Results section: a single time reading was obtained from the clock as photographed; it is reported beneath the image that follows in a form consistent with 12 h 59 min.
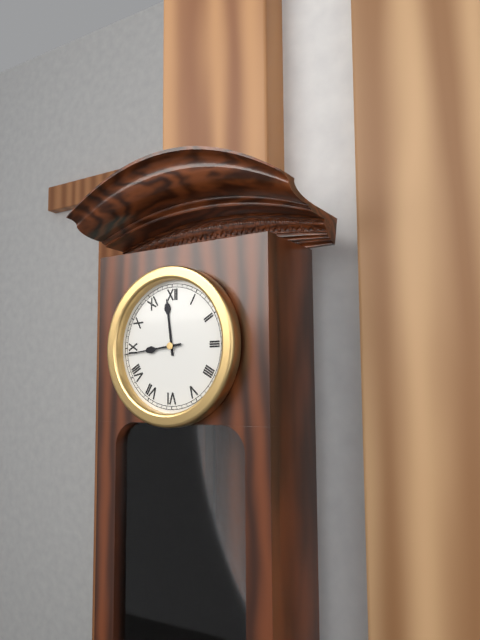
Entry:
11 h 44 min
